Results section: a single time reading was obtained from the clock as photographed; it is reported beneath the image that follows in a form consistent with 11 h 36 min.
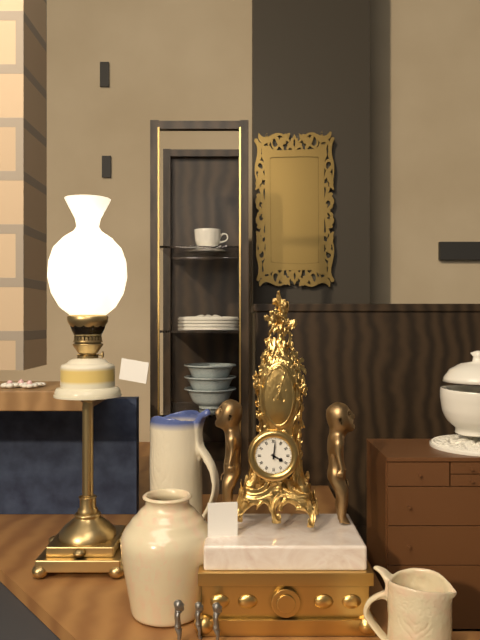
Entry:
4 h 01 min
